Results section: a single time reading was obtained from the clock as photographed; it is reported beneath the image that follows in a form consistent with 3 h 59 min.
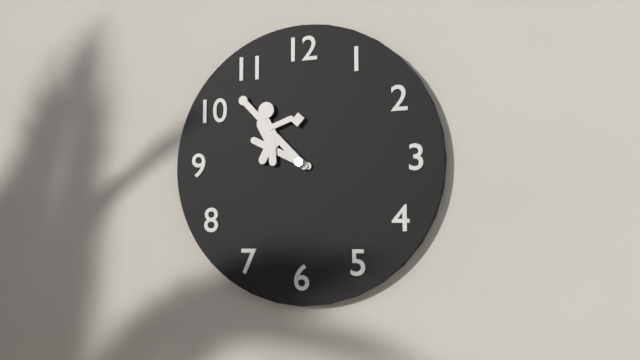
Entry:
9 h 52 min
